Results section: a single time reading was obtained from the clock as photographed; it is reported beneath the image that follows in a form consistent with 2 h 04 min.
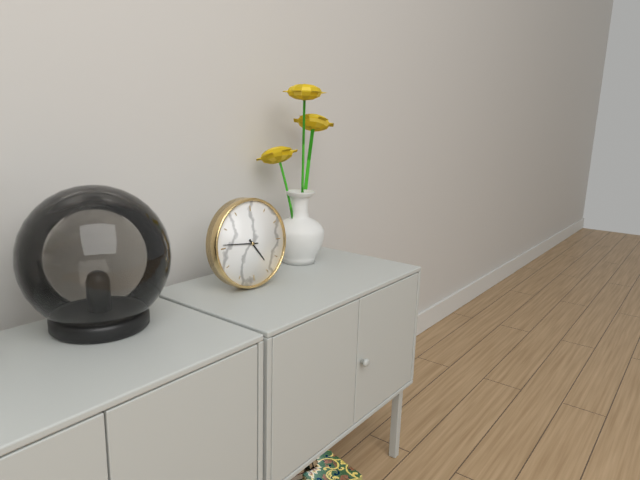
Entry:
4 h 46 min
